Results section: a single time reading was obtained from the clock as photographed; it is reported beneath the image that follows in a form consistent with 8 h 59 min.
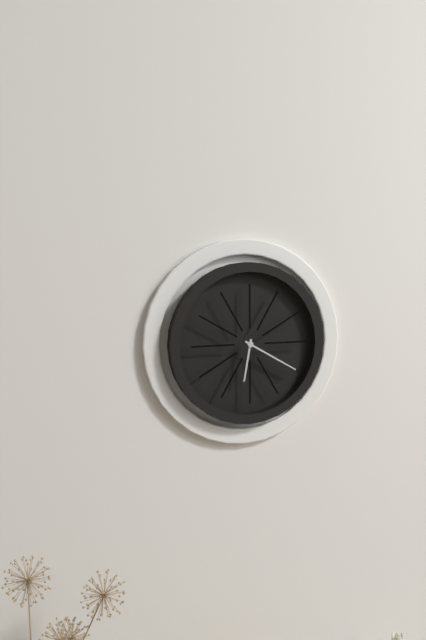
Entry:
6 h 20 min
